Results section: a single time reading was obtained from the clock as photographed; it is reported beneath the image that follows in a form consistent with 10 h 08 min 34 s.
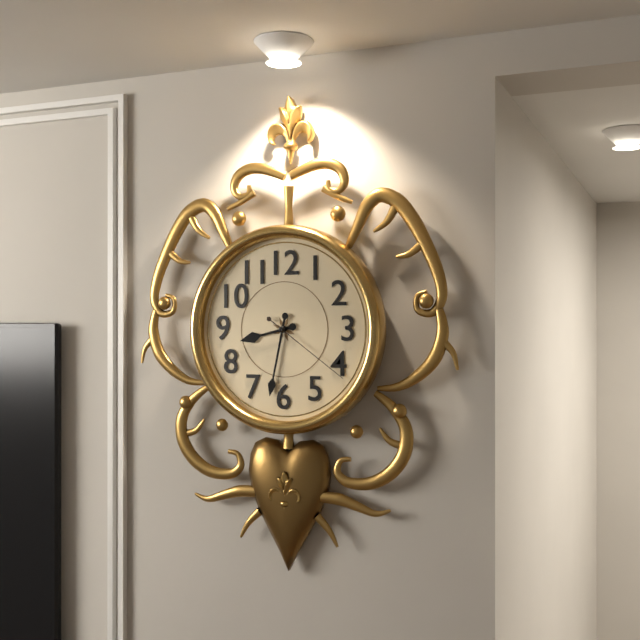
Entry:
8 h 32 min 21 s
